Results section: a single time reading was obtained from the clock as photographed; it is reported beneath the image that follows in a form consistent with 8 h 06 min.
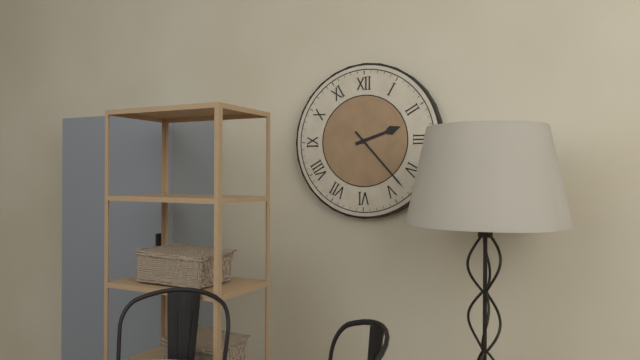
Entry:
2 h 23 min
